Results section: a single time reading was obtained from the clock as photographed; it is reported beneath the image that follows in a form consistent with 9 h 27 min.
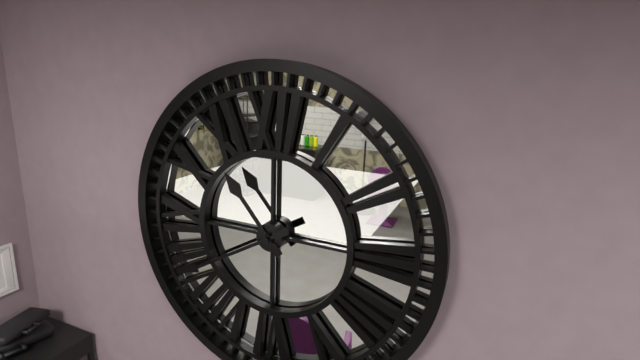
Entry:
10 h 40 min
